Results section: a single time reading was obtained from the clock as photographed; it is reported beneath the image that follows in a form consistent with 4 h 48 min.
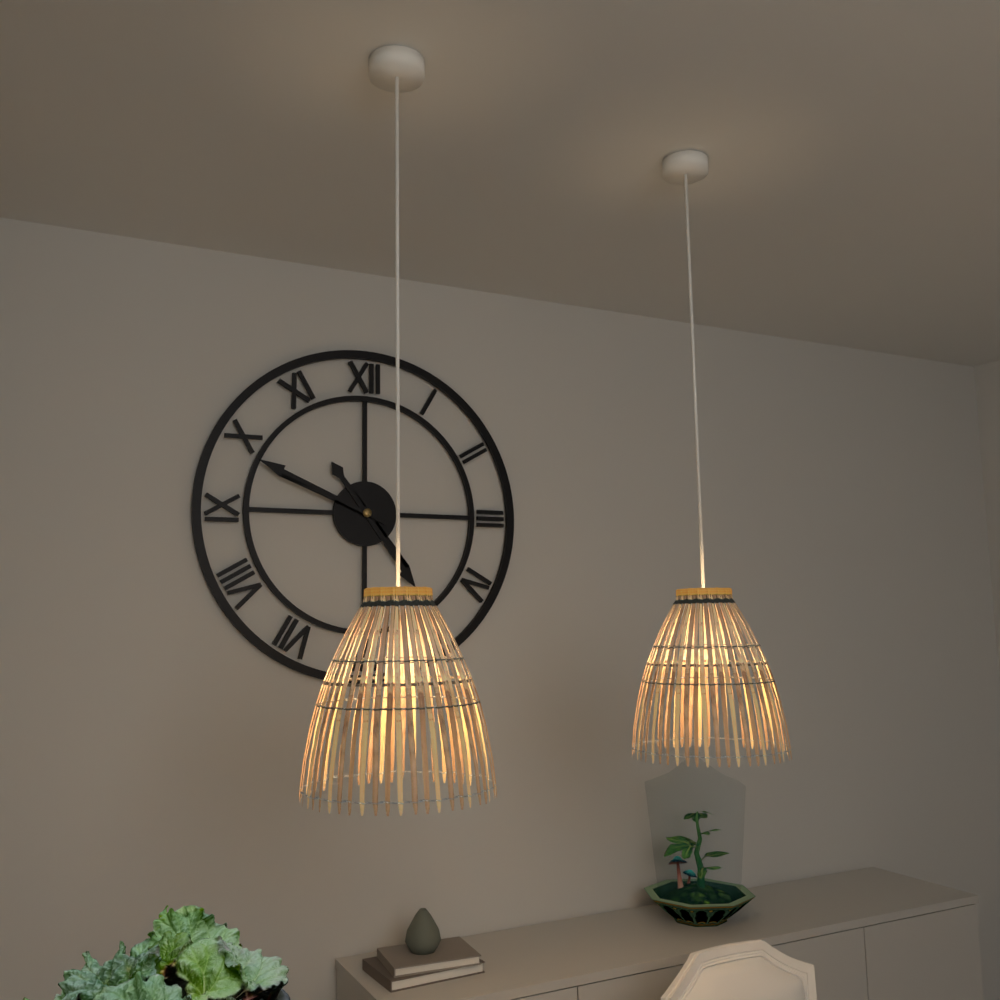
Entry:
4 h 49 min
